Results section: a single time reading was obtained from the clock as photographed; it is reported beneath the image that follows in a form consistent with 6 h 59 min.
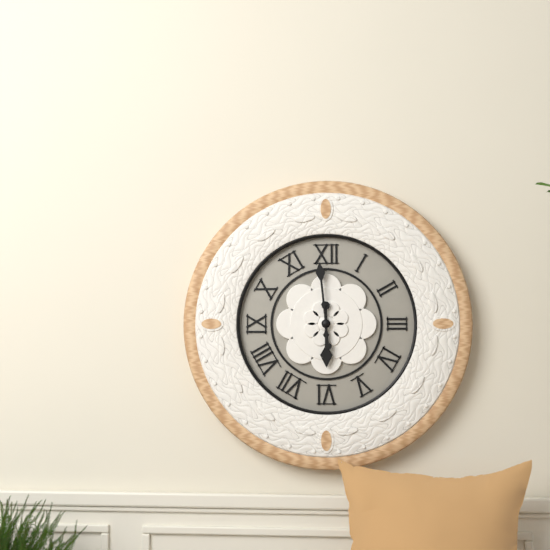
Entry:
5 h 59 min
